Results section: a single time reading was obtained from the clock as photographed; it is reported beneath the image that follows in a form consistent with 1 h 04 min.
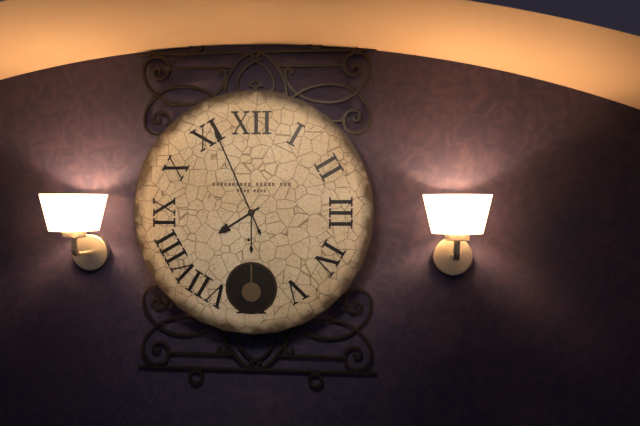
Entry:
7 h 56 min
